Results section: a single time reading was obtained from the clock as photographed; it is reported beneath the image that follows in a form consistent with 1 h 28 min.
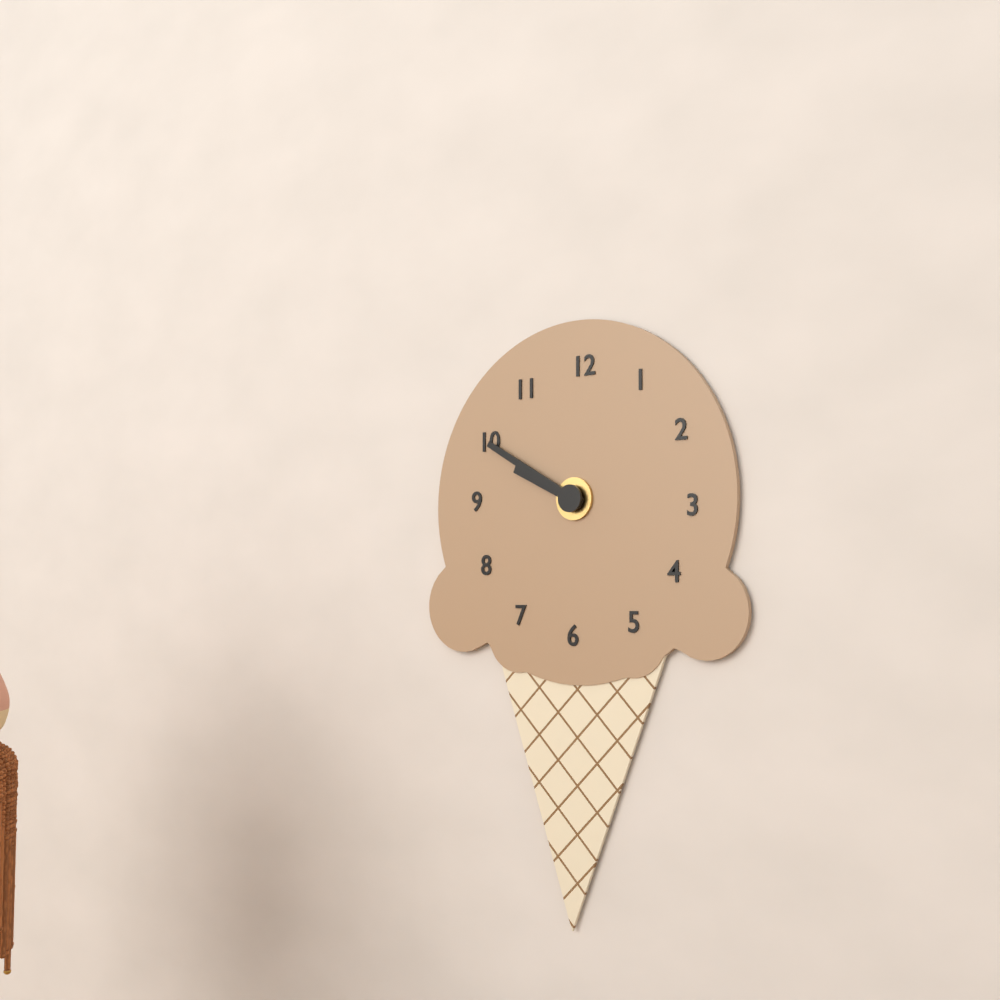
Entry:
9 h 50 min
